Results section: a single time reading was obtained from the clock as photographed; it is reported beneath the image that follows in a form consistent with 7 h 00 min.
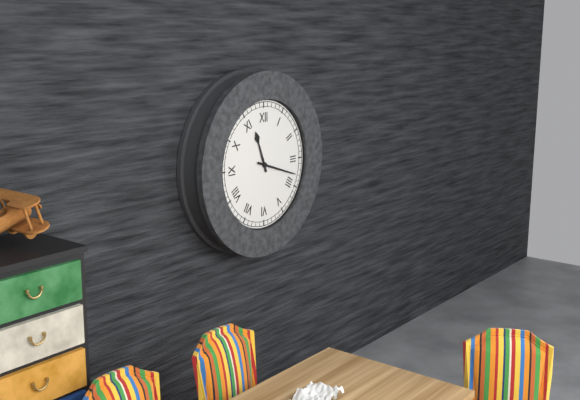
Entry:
11 h 18 min
